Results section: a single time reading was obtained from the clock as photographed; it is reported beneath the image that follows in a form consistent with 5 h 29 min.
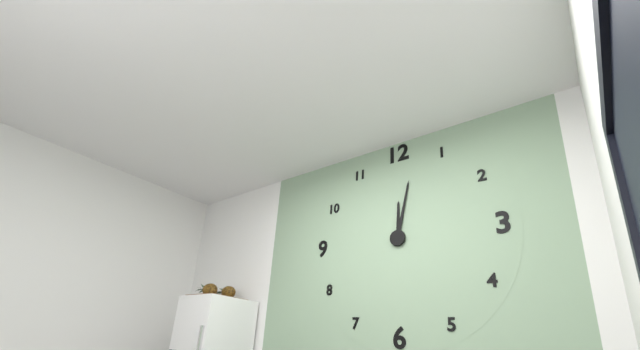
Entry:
12 h 02 min
